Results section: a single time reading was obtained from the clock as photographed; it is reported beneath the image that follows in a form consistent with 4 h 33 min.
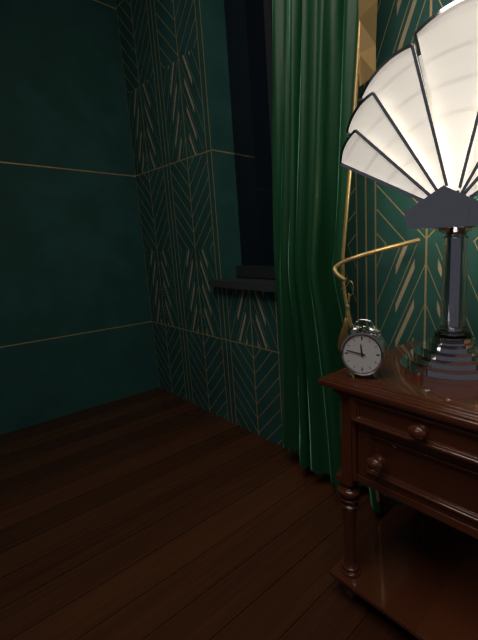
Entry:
11 h 47 min
